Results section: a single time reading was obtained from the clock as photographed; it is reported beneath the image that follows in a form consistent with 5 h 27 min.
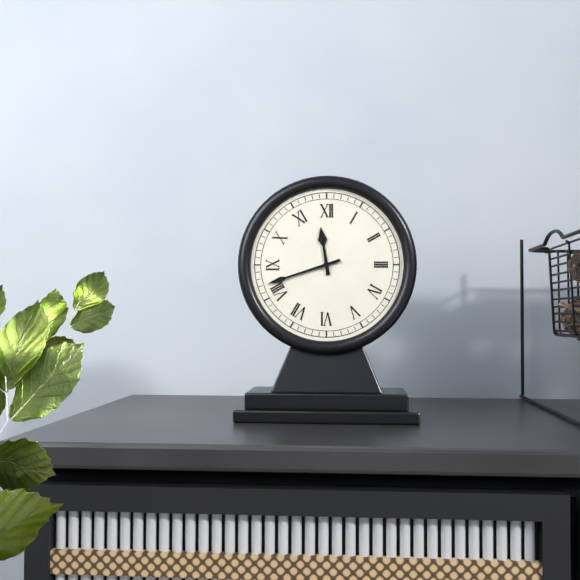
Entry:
11 h 42 min
